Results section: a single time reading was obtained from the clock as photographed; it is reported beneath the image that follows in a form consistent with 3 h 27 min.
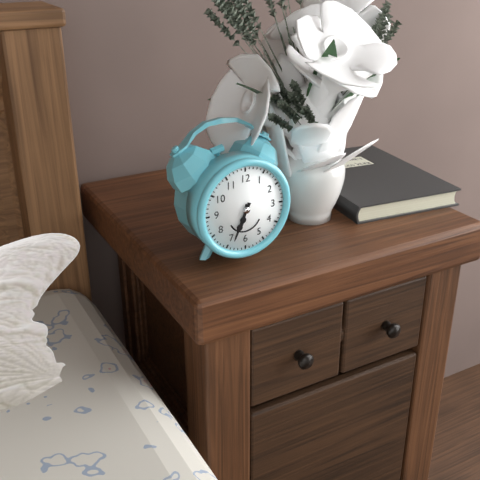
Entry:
6 h 34 min
